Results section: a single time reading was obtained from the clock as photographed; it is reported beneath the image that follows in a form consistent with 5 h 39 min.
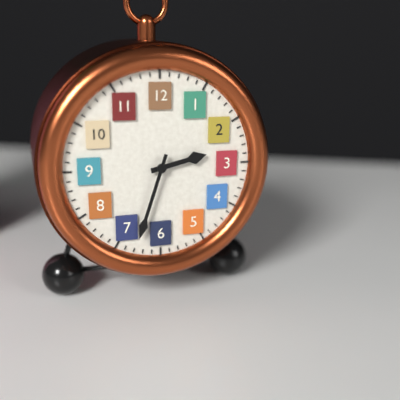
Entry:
2 h 33 min
